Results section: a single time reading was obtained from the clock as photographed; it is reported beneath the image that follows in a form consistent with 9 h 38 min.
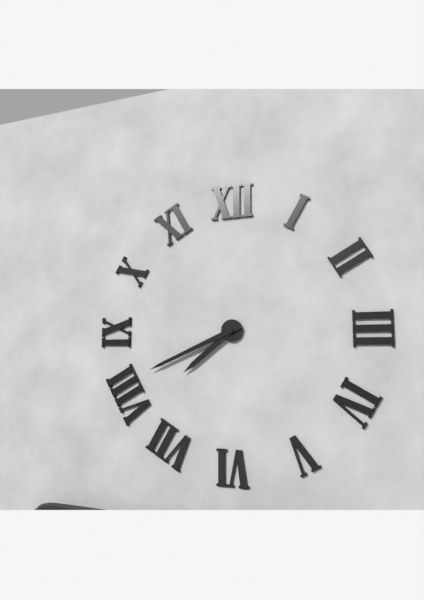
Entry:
7 h 41 min
